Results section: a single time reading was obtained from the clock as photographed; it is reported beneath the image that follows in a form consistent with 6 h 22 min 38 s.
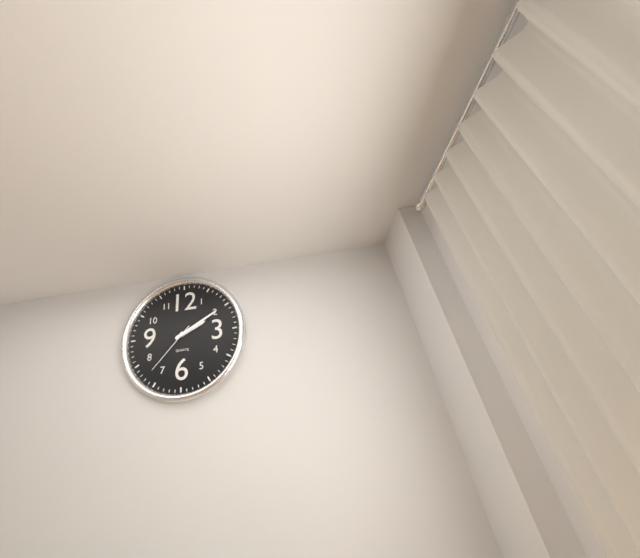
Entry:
2 h 10 min 37 s
